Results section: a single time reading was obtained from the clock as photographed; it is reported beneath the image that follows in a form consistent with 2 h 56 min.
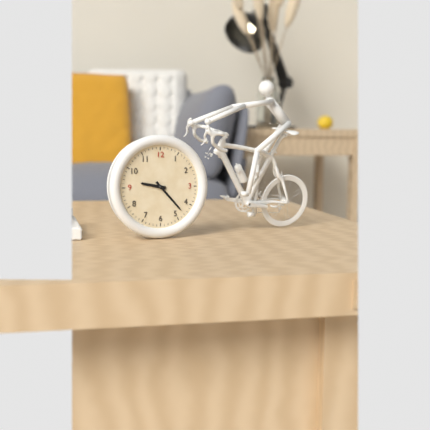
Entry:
9 h 23 min
